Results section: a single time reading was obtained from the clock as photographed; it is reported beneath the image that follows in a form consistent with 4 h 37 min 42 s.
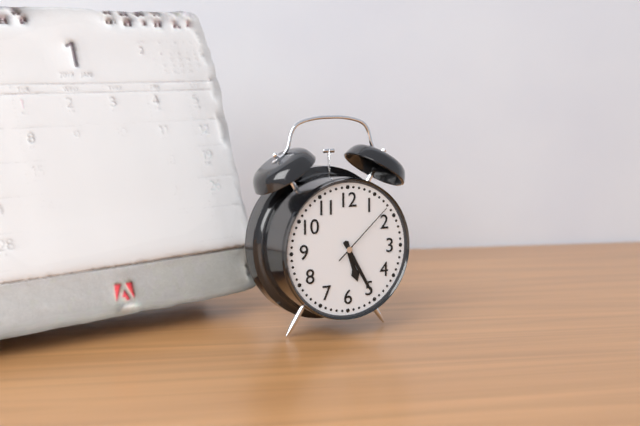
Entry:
5 h 25 min 08 s
